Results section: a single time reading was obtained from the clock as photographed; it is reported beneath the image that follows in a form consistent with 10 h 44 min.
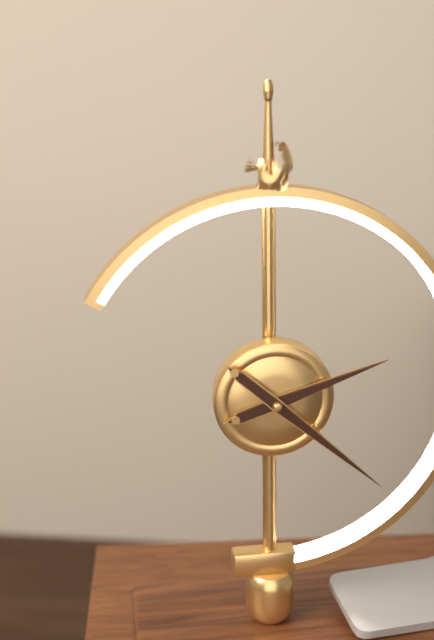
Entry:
2 h 22 min
